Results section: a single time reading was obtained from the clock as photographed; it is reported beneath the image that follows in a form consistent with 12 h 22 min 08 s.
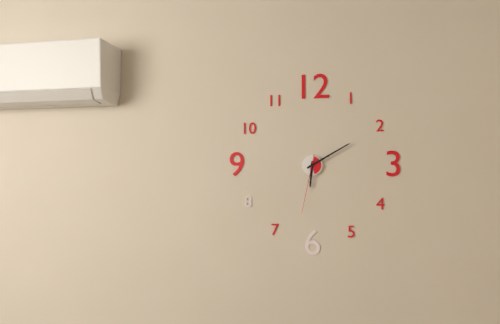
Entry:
6 h 10 min 32 s
